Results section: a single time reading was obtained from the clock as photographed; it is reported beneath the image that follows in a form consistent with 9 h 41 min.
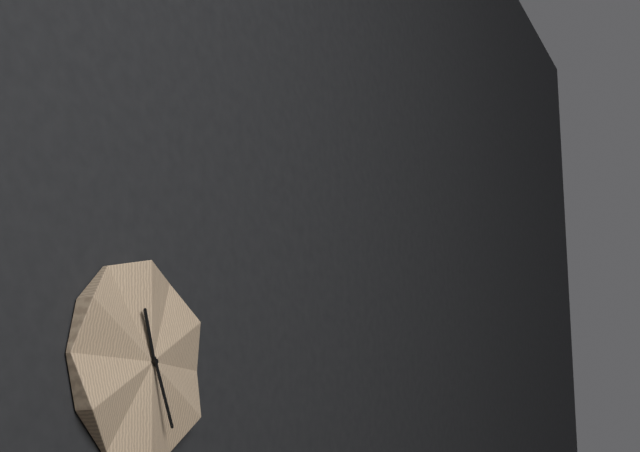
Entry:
11 h 26 min
